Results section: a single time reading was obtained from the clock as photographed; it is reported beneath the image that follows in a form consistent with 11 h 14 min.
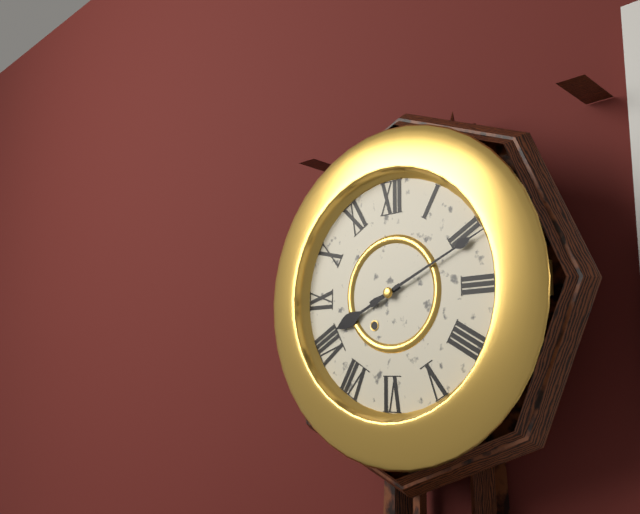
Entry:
8 h 11 min
